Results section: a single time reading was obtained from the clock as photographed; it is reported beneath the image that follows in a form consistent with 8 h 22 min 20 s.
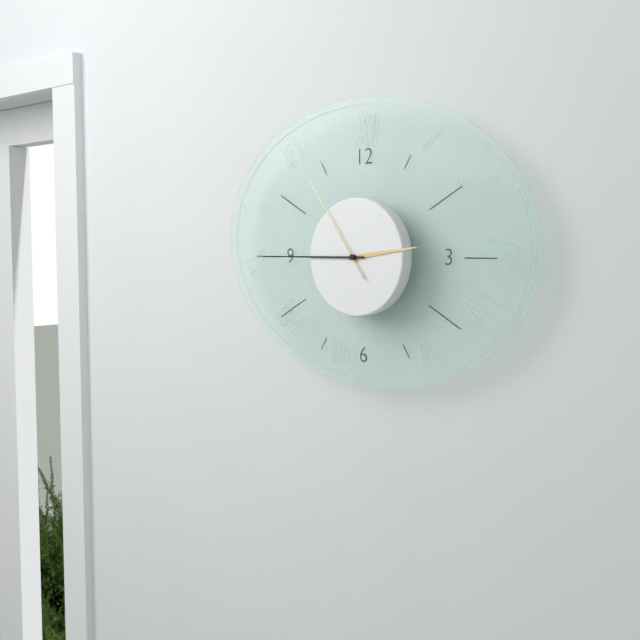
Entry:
2 h 45 min 54 s
